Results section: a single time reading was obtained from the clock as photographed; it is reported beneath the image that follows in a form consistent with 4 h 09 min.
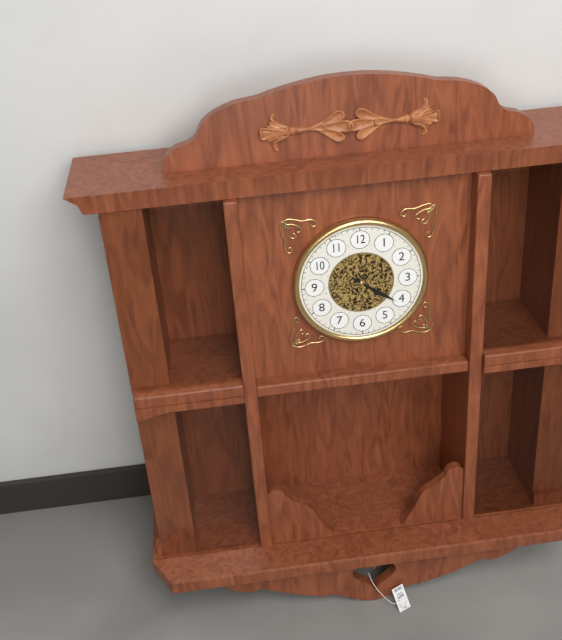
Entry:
4 h 21 min
